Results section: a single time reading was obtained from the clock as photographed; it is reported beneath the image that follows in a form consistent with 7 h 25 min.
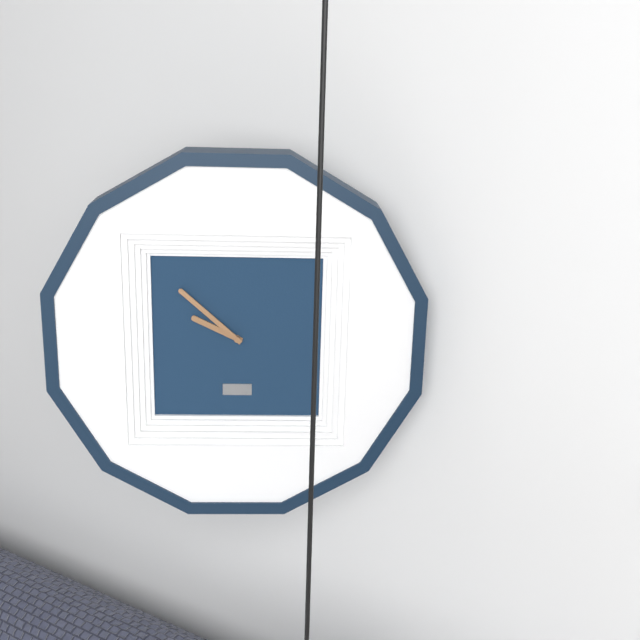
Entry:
9 h 52 min
